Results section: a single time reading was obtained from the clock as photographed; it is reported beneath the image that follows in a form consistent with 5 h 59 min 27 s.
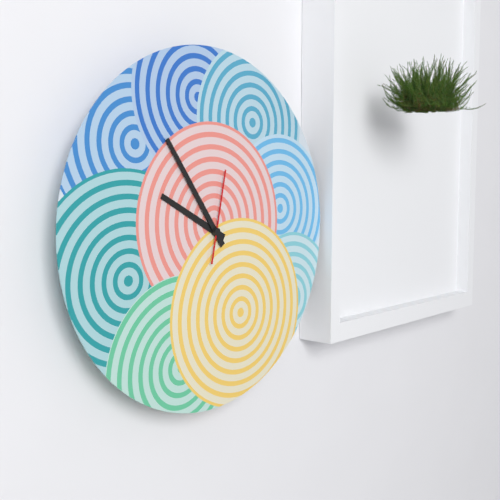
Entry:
9 h 54 min 02 s
